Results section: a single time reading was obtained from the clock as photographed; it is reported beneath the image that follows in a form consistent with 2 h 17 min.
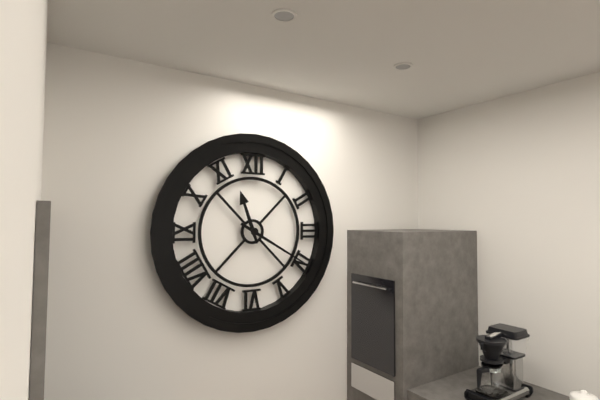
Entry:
11 h 20 min
